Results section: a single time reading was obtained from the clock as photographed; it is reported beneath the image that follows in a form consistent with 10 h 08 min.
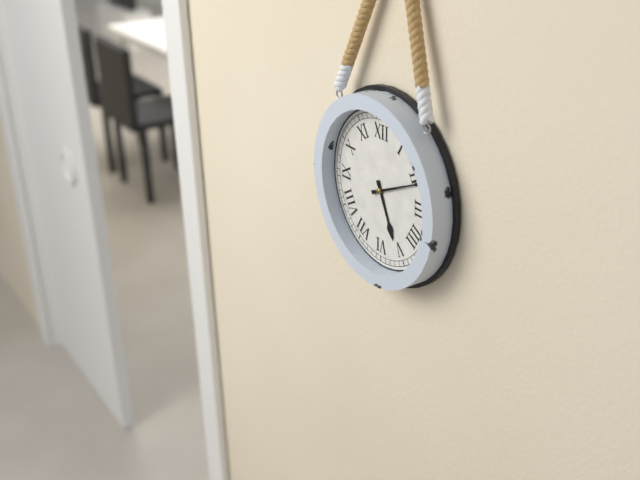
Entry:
5 h 11 min
